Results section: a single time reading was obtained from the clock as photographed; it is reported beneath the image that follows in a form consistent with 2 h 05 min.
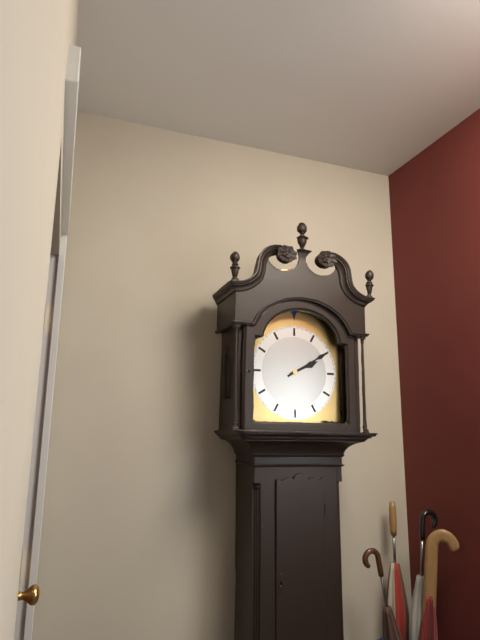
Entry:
2 h 10 min
